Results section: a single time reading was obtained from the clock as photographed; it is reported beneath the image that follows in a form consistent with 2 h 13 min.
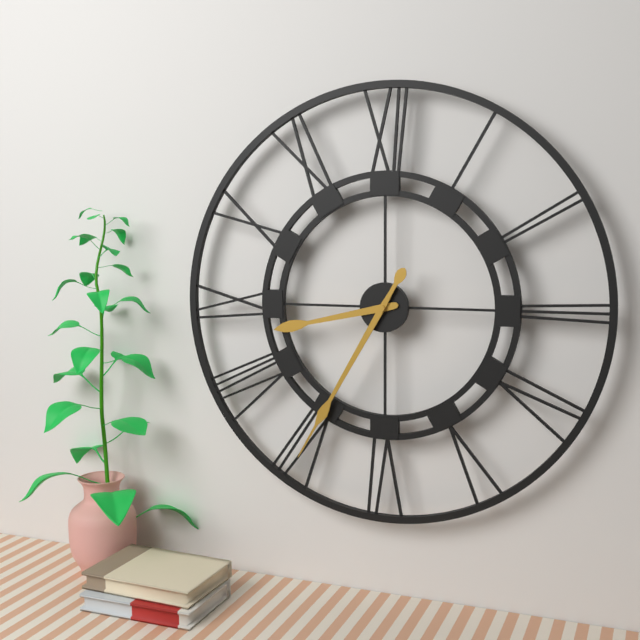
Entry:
8 h 35 min
